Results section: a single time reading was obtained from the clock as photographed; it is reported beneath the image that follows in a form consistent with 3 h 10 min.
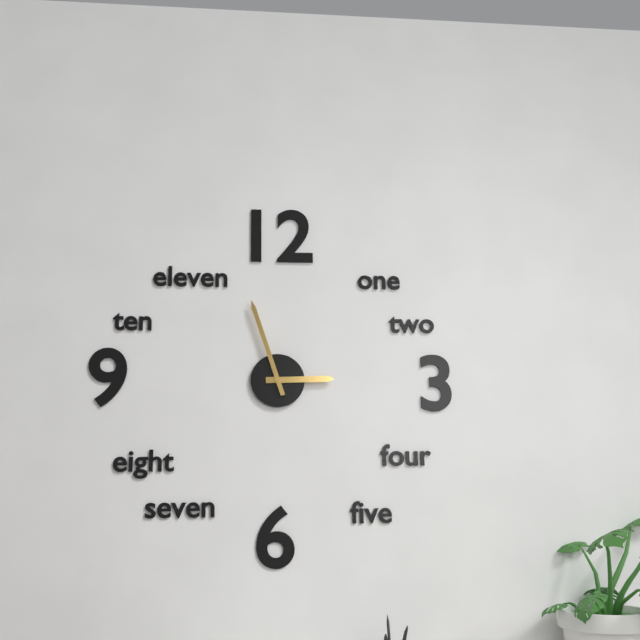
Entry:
2 h 57 min
